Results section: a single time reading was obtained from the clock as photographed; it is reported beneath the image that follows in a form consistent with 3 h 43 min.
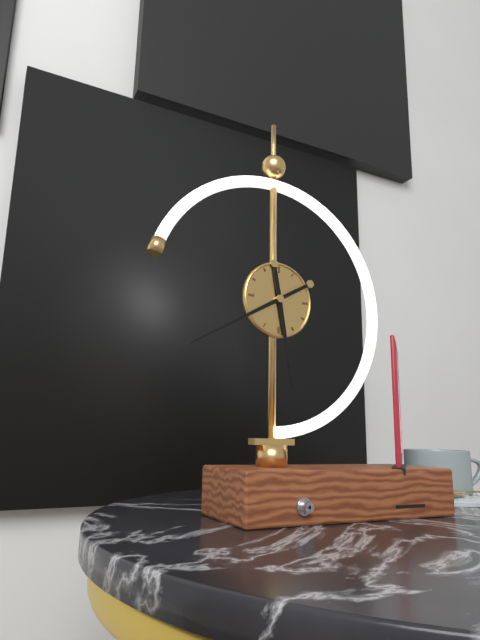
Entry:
5 h 40 min
